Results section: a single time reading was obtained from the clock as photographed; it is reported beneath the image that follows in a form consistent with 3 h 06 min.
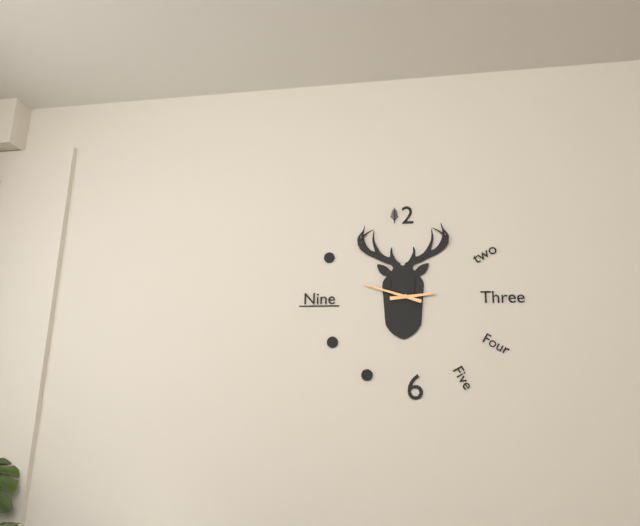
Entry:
2 h 48 min
